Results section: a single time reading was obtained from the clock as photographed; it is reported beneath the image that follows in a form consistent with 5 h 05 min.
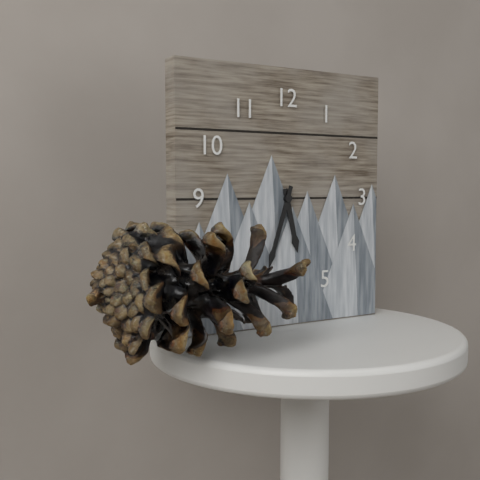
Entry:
5 h 33 min
